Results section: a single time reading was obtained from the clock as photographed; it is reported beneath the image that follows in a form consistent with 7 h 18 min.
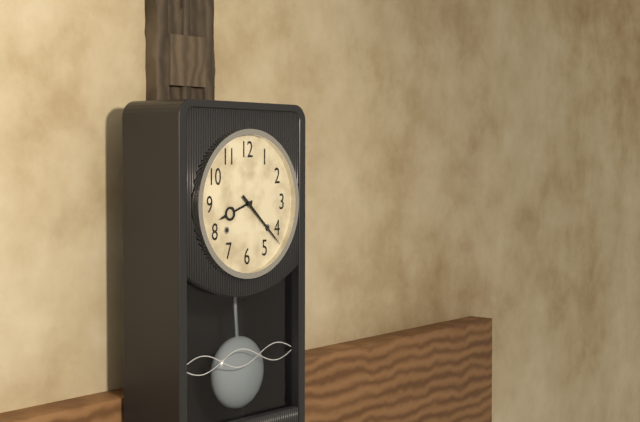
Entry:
8 h 22 min
